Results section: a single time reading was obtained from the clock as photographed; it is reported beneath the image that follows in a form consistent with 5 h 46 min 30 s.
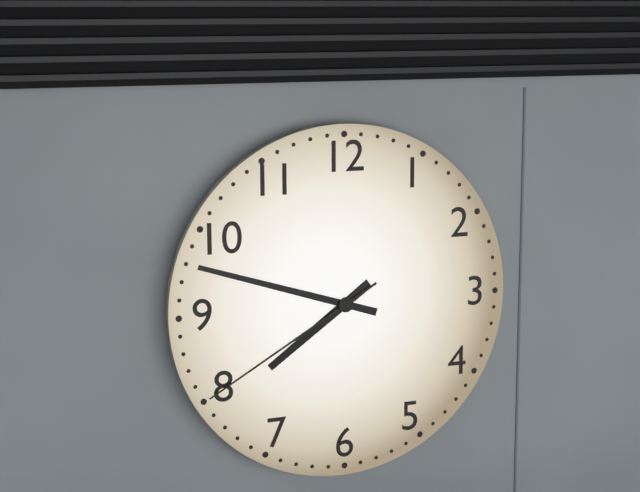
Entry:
7 h 48 min 40 s
